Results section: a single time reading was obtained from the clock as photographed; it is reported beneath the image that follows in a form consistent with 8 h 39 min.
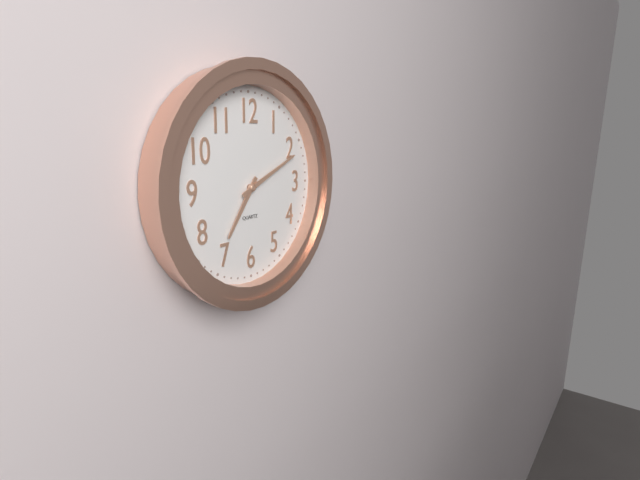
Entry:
7 h 11 min
